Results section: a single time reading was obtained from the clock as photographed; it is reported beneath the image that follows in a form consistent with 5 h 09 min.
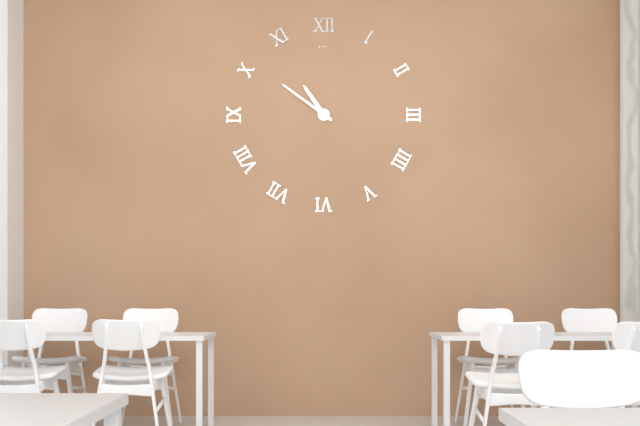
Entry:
10 h 51 min
